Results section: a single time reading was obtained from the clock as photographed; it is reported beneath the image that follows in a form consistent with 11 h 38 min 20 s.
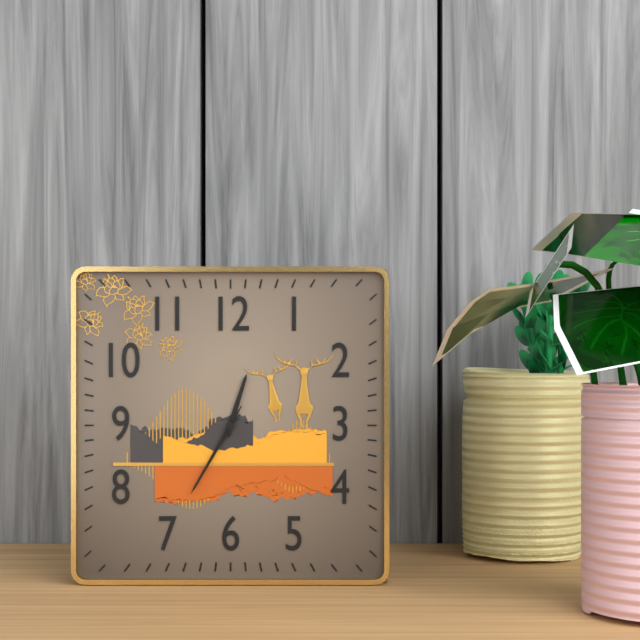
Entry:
12 h 35 min 35 s
